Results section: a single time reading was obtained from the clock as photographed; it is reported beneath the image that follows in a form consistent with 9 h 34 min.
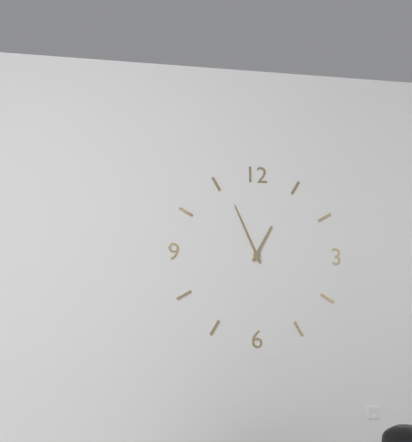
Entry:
12 h 56 min
